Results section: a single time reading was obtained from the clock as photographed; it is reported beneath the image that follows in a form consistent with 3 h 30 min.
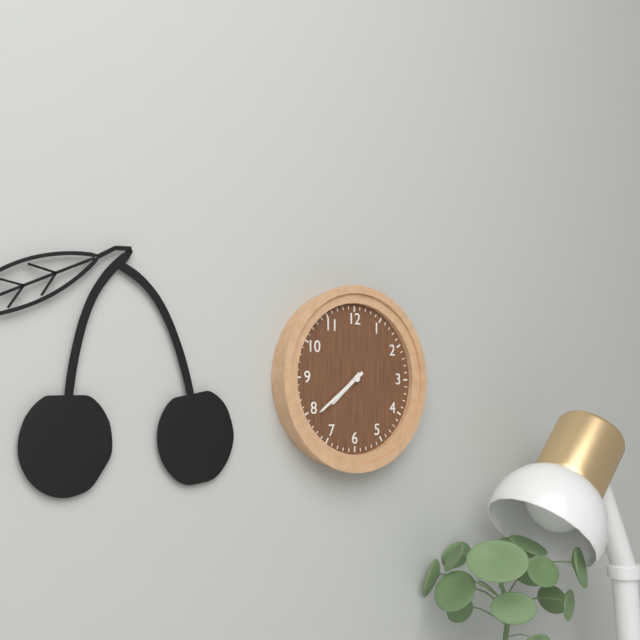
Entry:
7 h 39 min
